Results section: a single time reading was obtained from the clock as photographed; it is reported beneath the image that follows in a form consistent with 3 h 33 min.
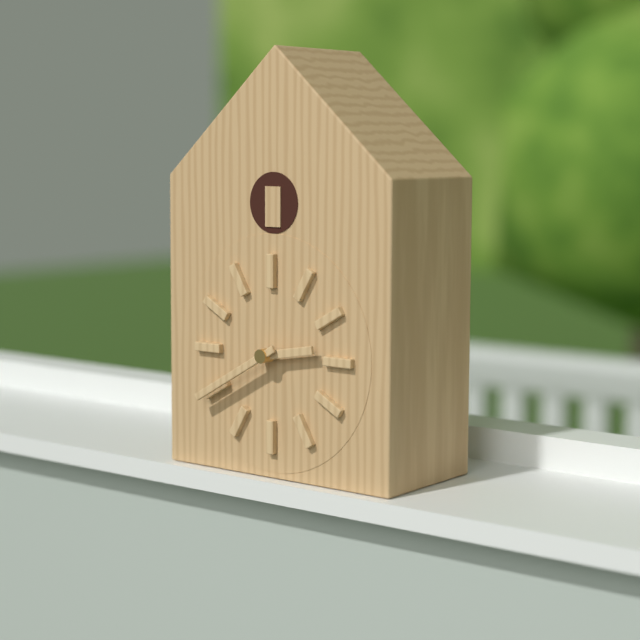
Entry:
2 h 40 min
